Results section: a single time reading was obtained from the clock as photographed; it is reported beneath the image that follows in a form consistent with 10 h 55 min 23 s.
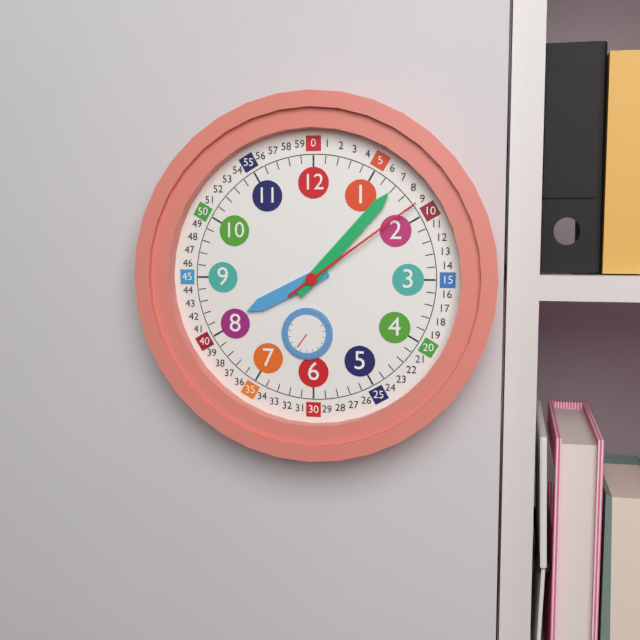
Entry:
8 h 07 min 09 s
